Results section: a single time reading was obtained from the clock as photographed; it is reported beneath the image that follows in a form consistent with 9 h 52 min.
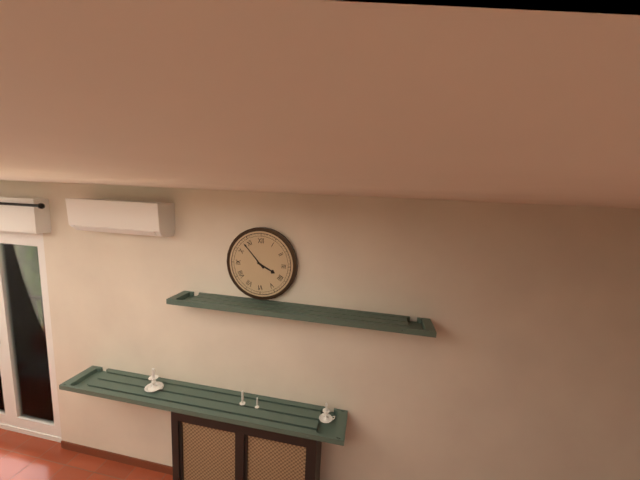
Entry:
3 h 53 min
